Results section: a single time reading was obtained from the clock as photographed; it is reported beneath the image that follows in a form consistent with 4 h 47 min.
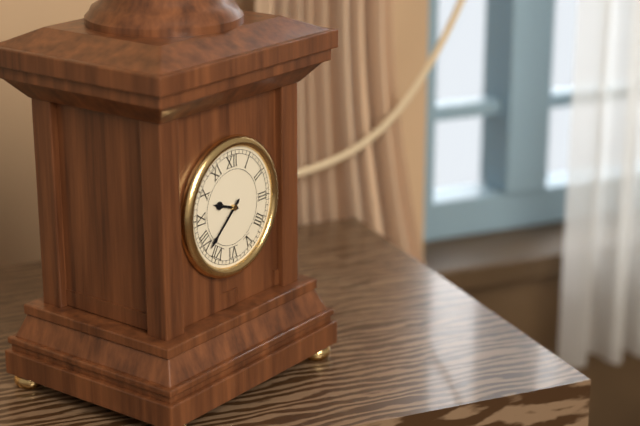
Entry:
9 h 38 min
